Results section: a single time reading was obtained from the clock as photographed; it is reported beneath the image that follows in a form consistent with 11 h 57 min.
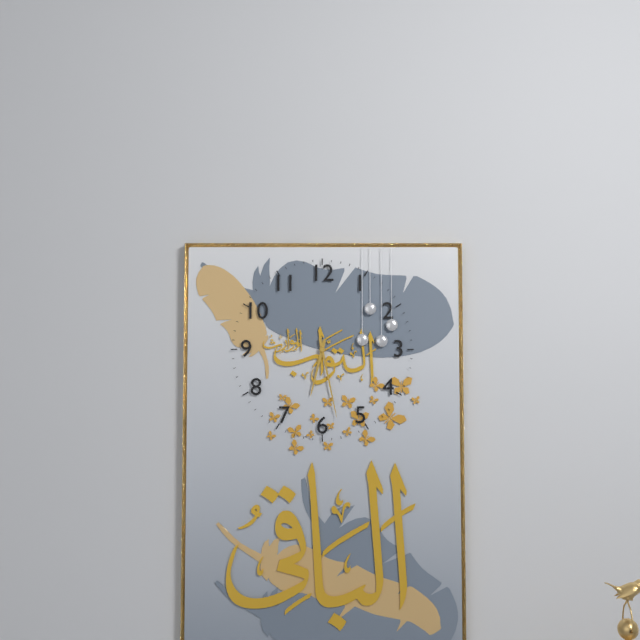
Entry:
6 h 28 min
